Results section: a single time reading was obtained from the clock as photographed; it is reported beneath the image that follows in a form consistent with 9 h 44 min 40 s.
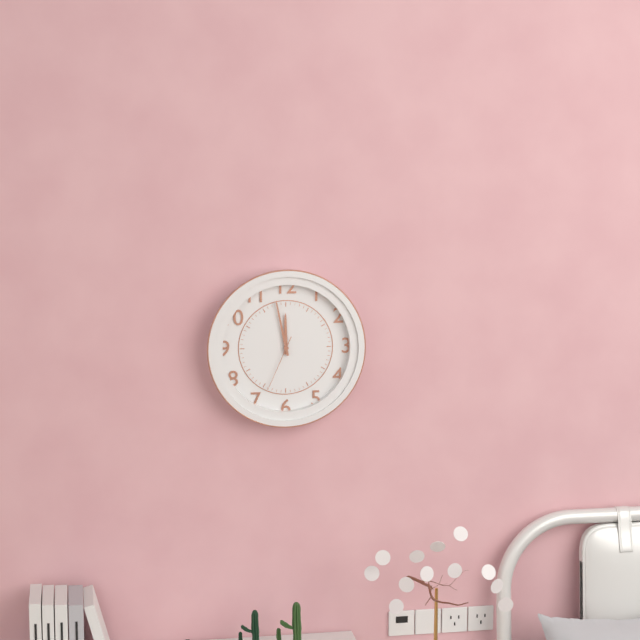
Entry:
11 h 58 min 34 s
